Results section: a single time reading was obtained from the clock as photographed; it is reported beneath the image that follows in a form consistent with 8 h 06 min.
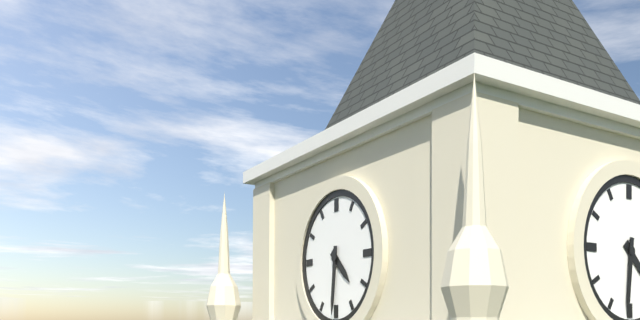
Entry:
4 h 31 min
